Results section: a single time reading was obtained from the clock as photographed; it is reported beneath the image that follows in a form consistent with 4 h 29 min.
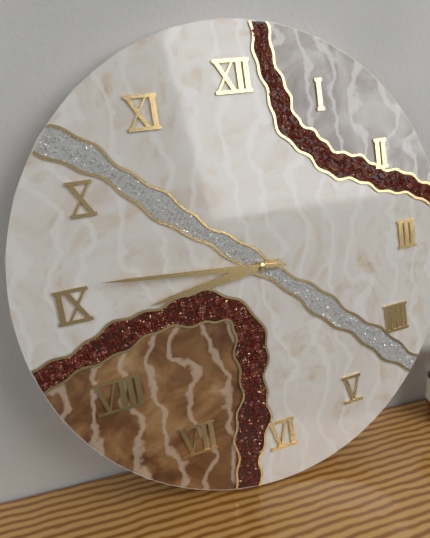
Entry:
8 h 46 min
